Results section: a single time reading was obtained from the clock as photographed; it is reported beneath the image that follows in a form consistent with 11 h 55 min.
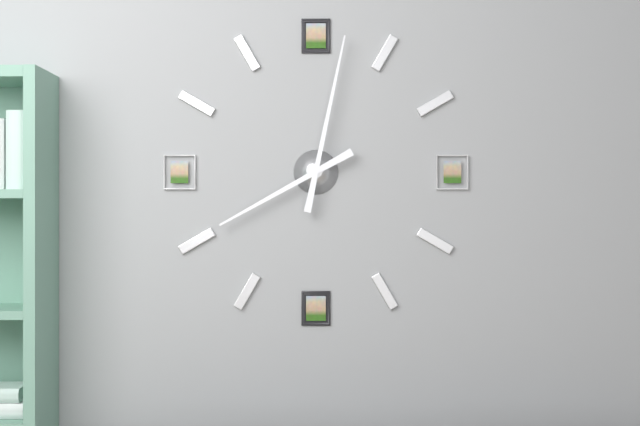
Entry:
8 h 02 min
